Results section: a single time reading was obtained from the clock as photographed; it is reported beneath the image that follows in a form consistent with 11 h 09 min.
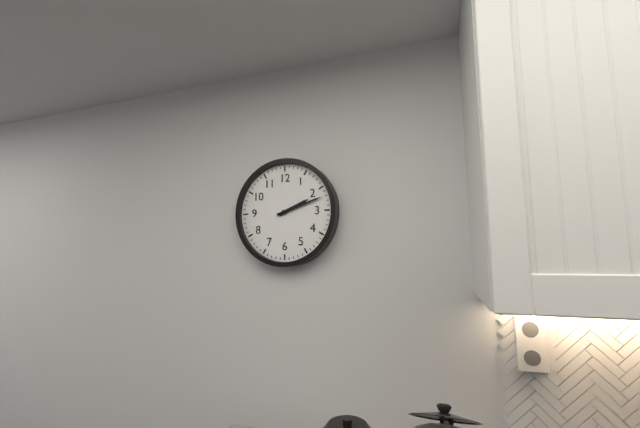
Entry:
2 h 12 min
